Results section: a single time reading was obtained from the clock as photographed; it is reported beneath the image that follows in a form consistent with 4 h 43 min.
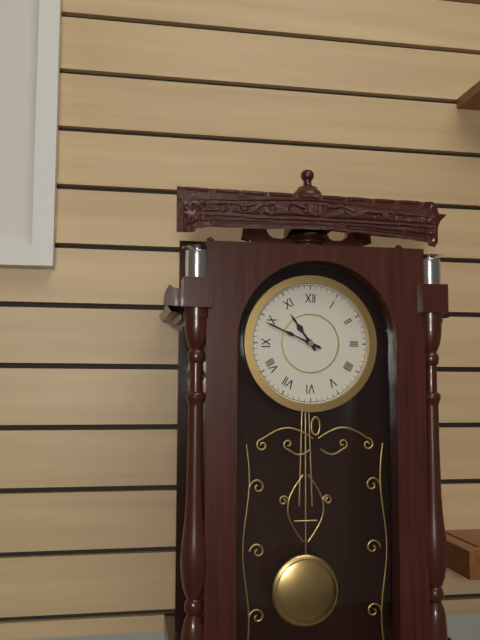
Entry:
10 h 49 min
